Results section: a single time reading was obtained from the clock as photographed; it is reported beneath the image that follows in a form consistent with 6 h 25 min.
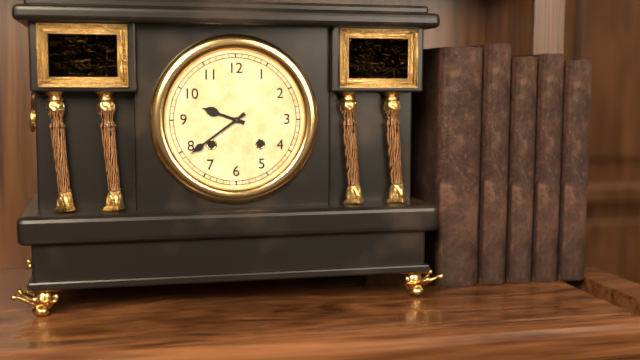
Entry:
9 h 39 min
